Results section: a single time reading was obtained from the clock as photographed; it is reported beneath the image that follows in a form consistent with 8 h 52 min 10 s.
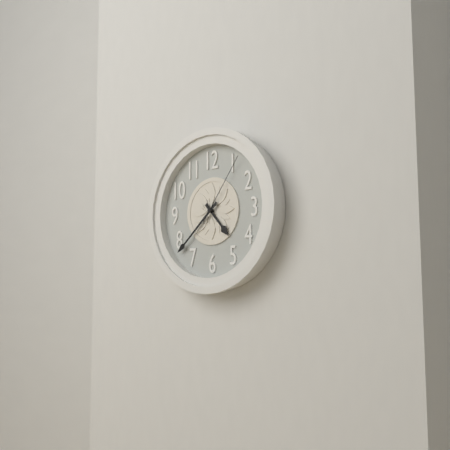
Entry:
4 h 38 min 06 s
